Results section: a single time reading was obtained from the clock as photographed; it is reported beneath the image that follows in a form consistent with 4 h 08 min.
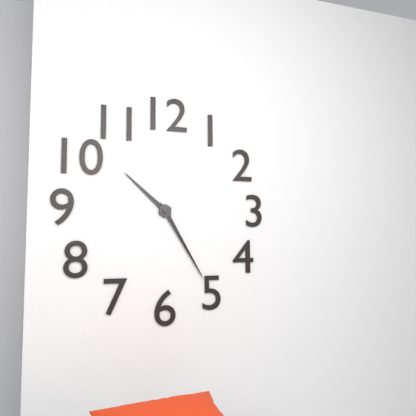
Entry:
10 h 25 min
